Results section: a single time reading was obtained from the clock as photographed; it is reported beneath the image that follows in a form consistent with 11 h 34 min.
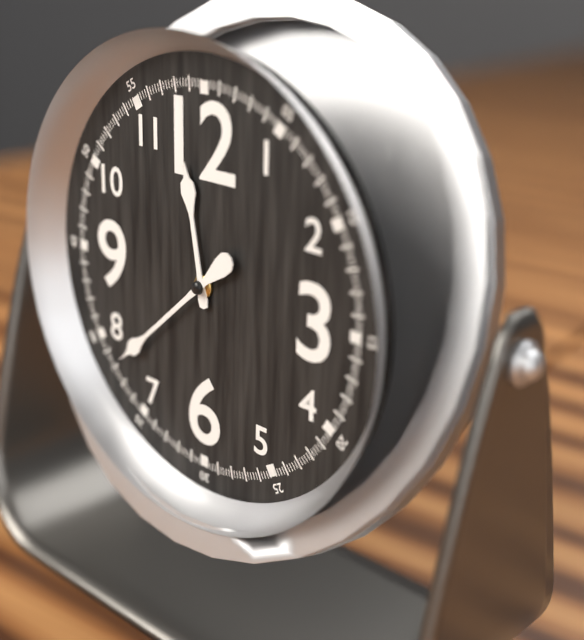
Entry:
11 h 38 min
